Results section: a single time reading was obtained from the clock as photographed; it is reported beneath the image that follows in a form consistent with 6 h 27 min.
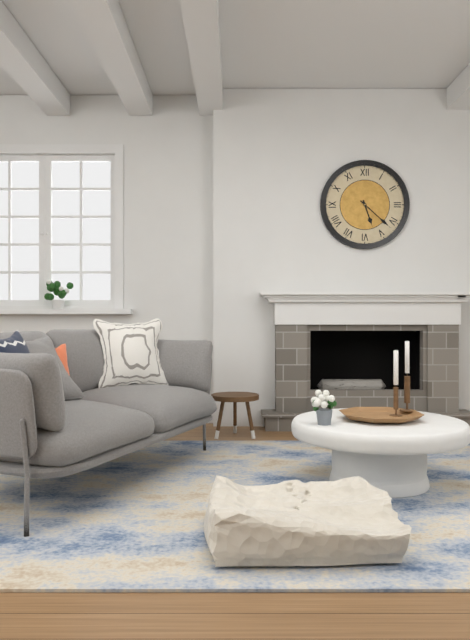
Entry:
5 h 22 min
